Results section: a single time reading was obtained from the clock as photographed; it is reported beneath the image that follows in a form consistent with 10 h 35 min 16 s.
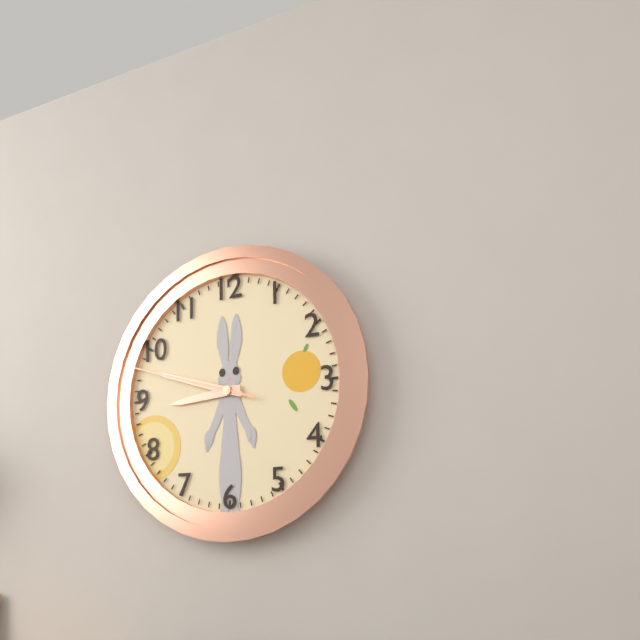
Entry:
8 h 48 min 48 s
